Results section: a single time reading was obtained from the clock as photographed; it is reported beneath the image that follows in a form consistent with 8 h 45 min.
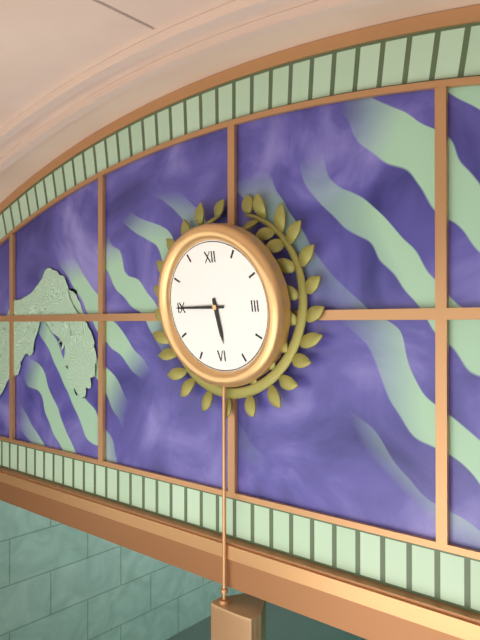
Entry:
5 h 45 min
